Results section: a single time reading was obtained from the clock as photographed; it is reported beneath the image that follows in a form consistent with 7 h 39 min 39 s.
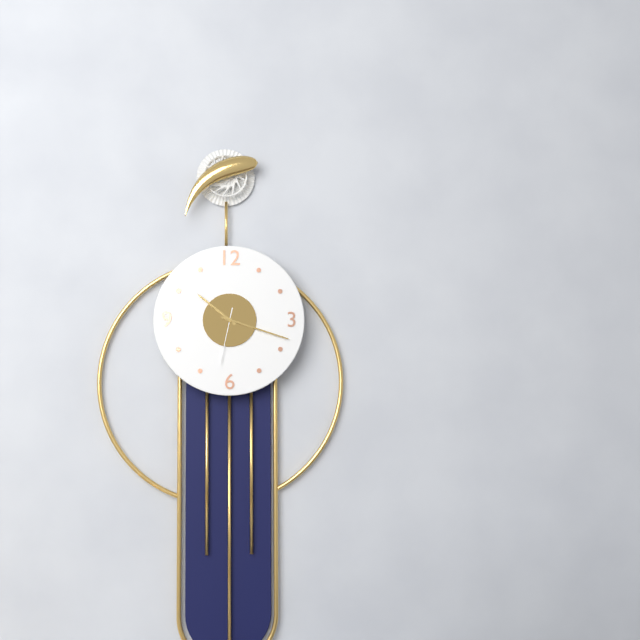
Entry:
10 h 18 min 32 s
